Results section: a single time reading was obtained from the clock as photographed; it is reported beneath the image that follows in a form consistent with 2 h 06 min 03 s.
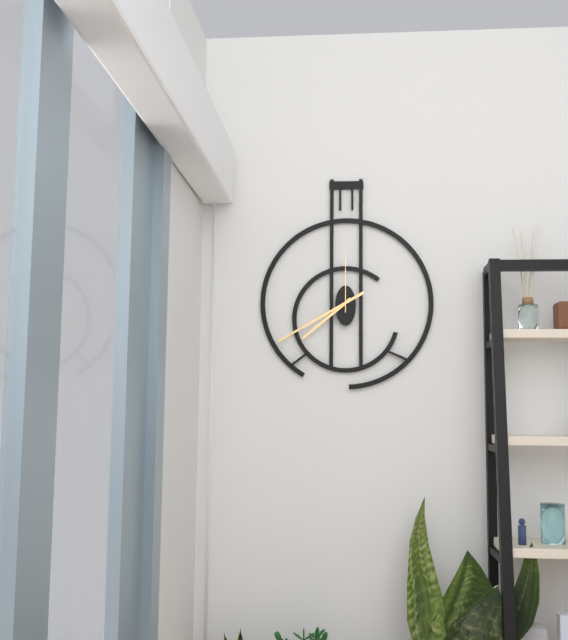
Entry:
7 h 40 min 00 s
